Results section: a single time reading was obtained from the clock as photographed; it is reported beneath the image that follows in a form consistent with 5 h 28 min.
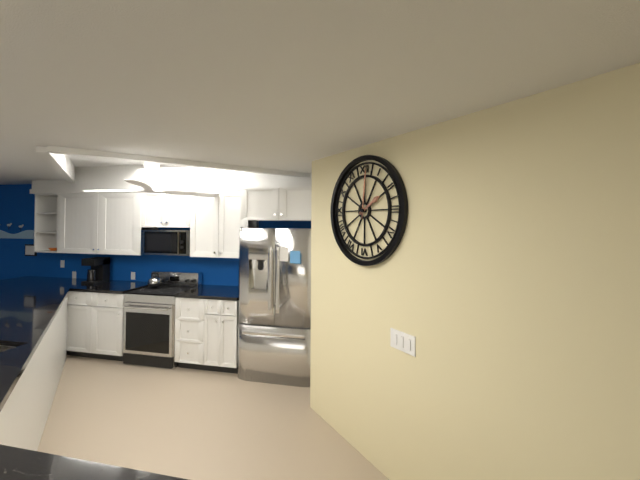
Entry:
2 h 01 min
